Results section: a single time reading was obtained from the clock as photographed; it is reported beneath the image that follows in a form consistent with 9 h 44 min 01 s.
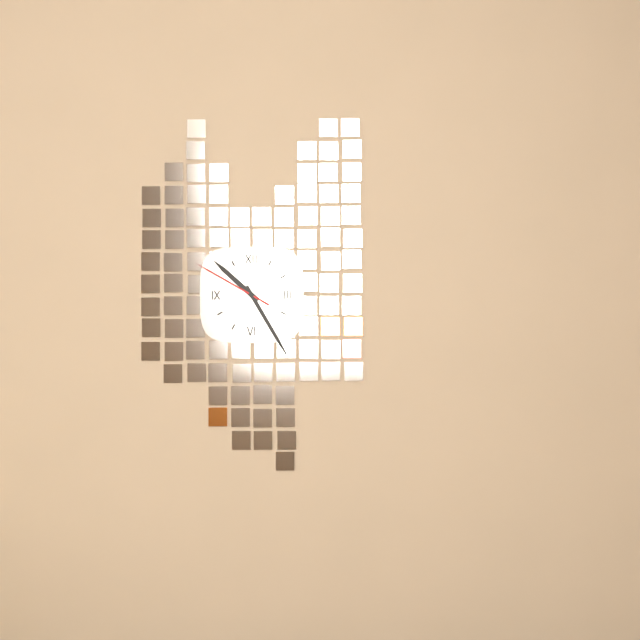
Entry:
10 h 25 min 50 s
